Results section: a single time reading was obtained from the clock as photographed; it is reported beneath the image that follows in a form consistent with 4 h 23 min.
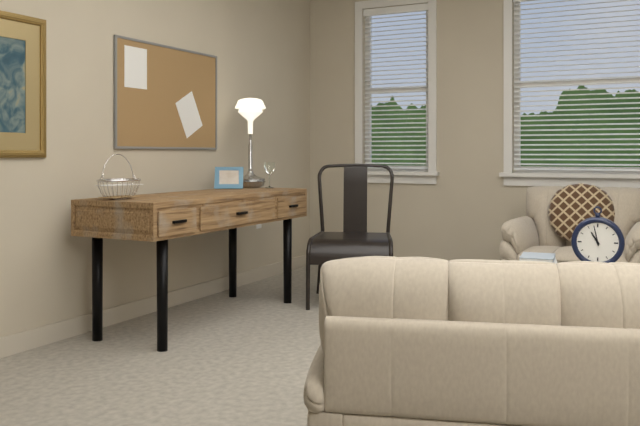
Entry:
10 h 58 min
